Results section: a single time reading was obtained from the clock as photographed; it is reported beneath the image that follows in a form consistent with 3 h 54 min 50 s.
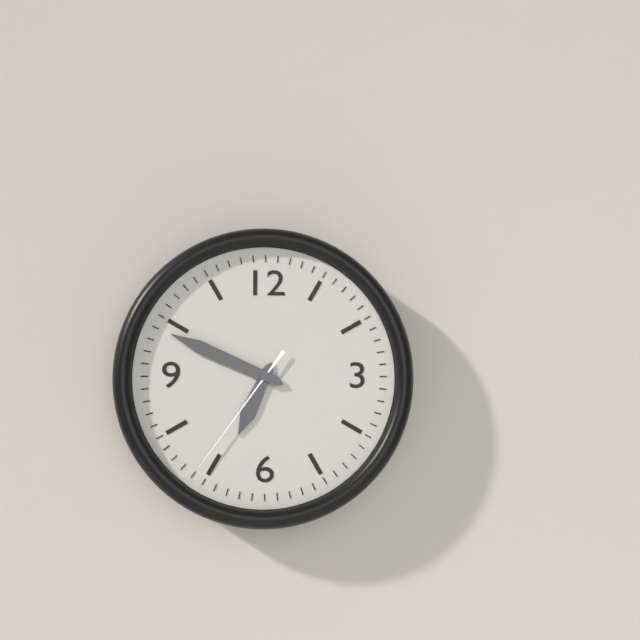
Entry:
6 h 49 min 36 s
